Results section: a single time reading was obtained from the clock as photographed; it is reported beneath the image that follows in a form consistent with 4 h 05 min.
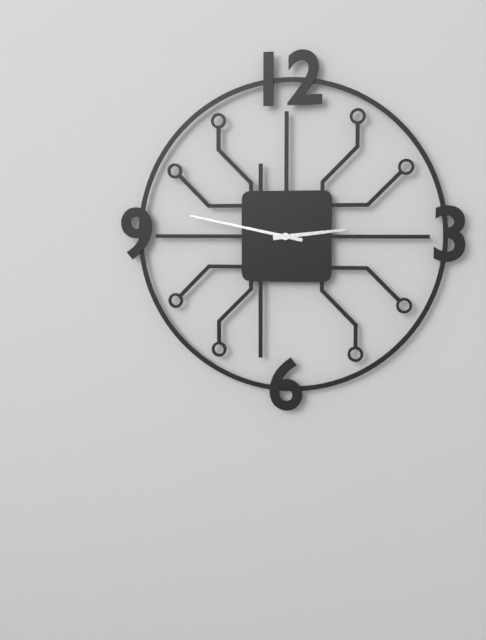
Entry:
2 h 47 min
